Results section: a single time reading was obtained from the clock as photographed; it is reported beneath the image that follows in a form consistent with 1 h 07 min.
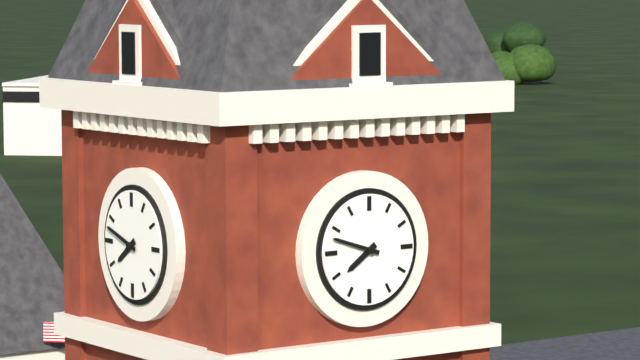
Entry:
7 h 48 min
